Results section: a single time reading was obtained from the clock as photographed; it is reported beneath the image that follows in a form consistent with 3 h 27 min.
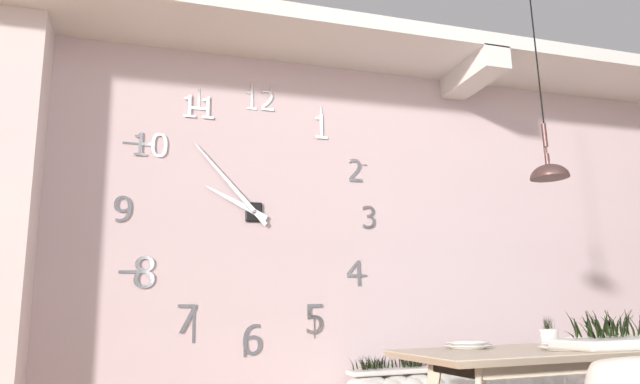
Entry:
9 h 53 min
